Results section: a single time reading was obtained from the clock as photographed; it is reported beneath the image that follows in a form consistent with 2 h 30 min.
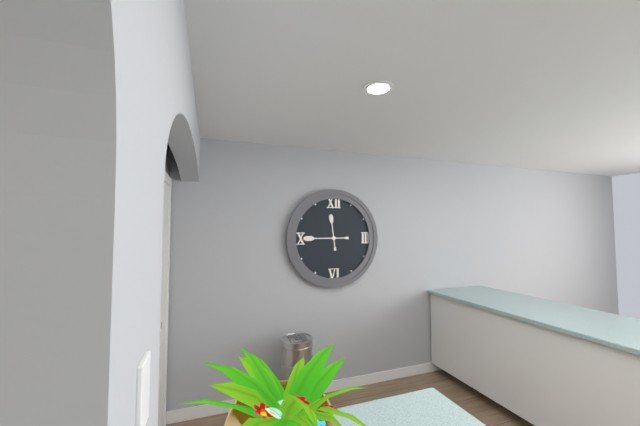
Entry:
11 h 45 min
